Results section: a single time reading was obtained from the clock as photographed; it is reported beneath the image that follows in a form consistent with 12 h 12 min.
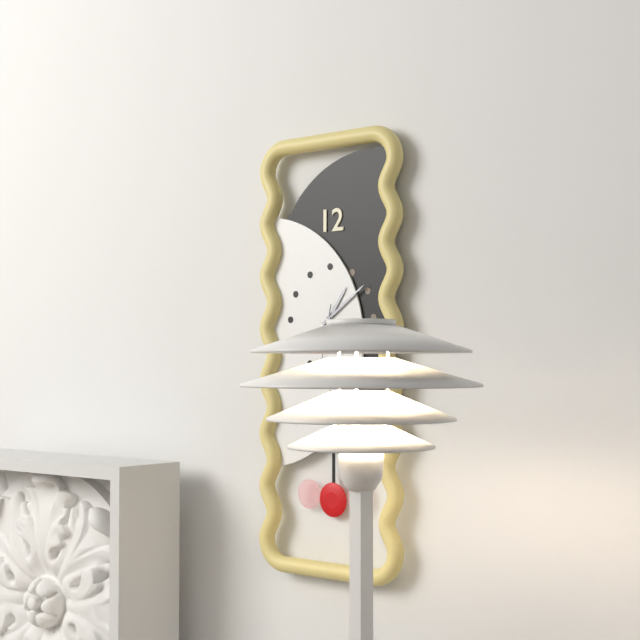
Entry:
1 h 09 min
